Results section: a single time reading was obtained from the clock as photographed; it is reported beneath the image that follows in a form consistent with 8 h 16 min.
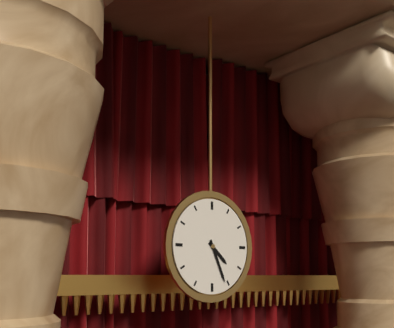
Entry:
4 h 26 min
